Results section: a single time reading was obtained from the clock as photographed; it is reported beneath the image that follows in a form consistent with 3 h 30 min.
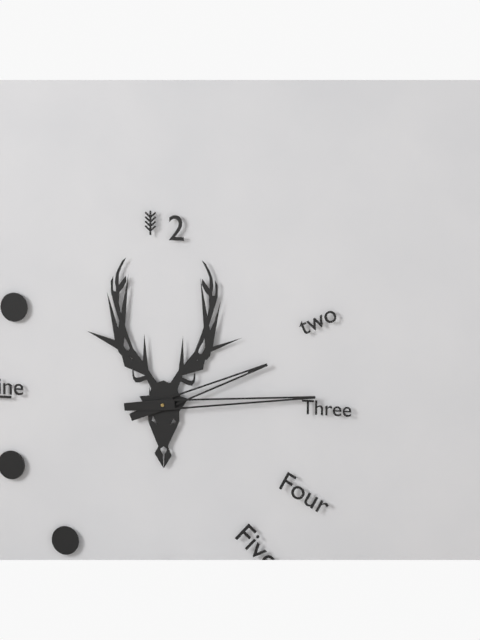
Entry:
2 h 14 min
